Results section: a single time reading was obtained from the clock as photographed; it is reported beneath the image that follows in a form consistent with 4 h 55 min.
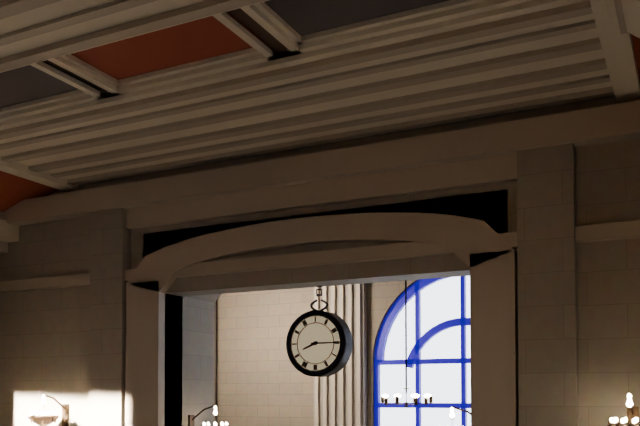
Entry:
8 h 15 min
